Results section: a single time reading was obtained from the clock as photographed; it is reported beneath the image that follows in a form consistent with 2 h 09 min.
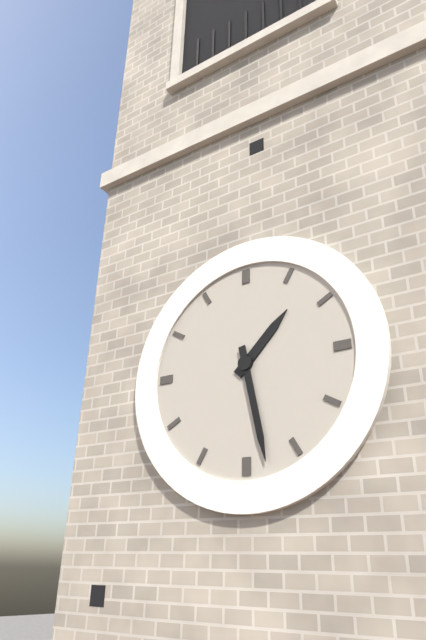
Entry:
1 h 28 min
